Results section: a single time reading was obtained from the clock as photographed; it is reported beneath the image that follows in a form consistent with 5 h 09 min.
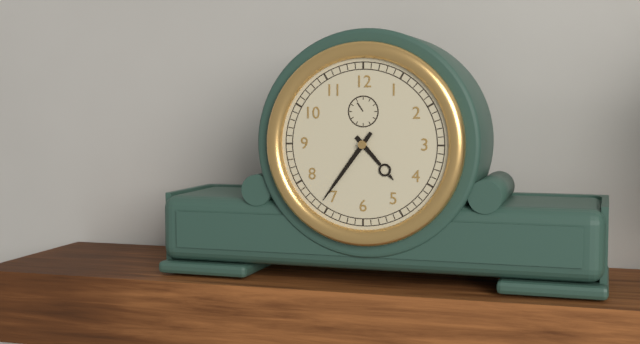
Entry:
4 h 36 min
